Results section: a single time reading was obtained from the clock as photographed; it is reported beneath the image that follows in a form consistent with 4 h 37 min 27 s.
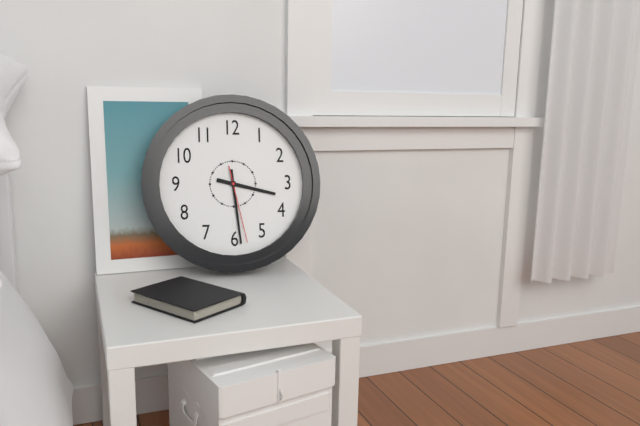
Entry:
3 h 29 min 28 s
